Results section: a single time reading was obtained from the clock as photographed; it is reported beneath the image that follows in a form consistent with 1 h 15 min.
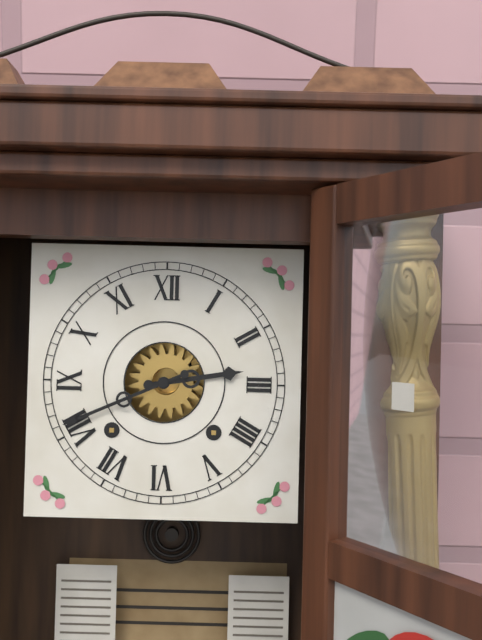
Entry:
2 h 41 min
